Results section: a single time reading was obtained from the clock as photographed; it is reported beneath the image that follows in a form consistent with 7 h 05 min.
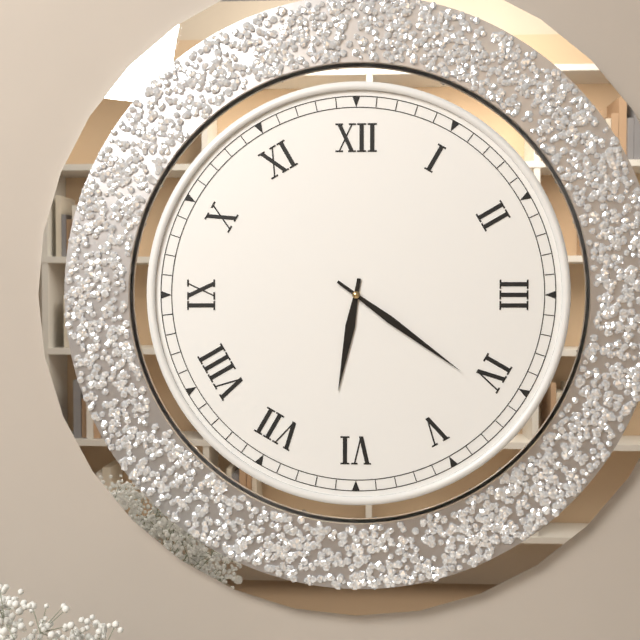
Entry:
6 h 21 min
